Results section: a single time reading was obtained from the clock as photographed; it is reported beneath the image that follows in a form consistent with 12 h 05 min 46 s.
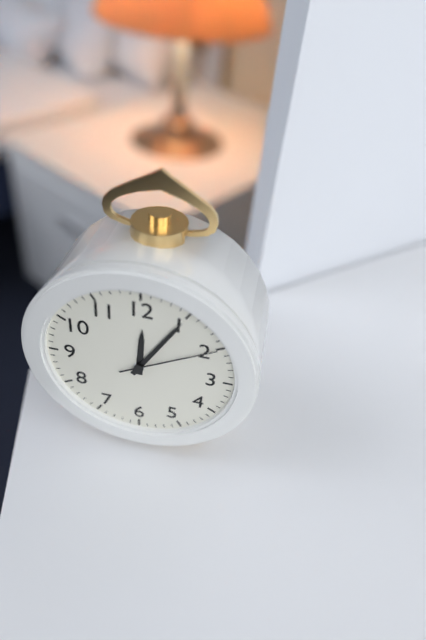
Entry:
12 h 05 min 10 s
